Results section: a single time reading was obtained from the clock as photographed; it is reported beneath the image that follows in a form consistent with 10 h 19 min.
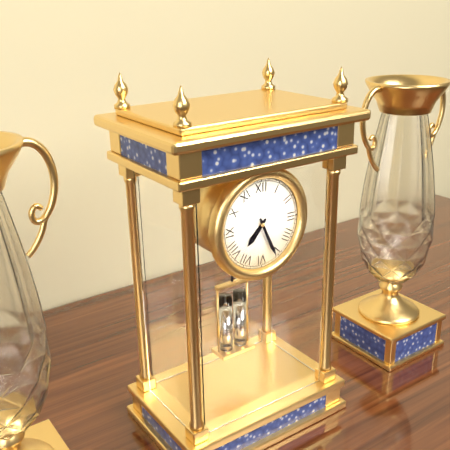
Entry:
7 h 26 min
